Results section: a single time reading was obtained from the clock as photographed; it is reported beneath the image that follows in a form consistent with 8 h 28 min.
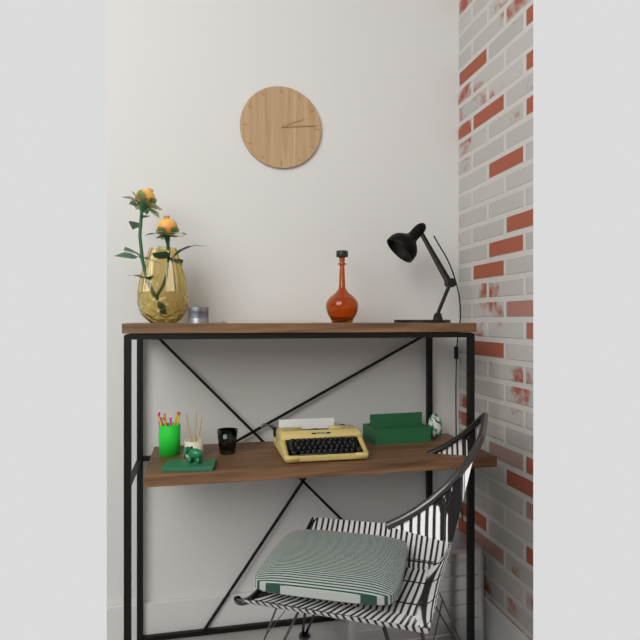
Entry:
2 h 14 min
